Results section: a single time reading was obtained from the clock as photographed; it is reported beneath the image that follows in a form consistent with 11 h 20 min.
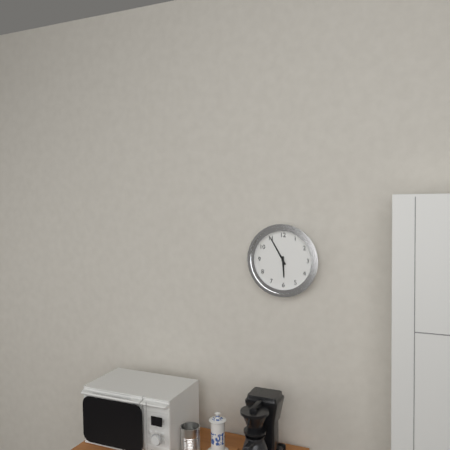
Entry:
5 h 55 min
